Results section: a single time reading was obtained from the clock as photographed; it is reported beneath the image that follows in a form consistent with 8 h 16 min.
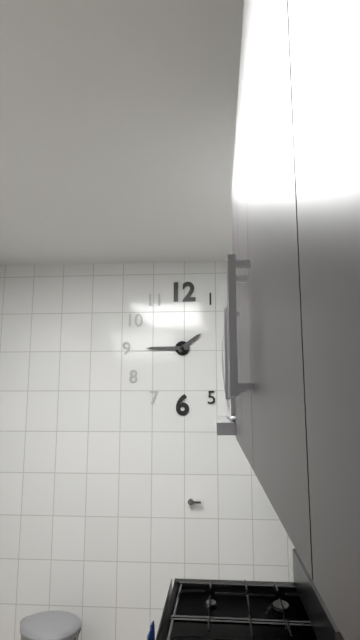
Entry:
1 h 45 min
